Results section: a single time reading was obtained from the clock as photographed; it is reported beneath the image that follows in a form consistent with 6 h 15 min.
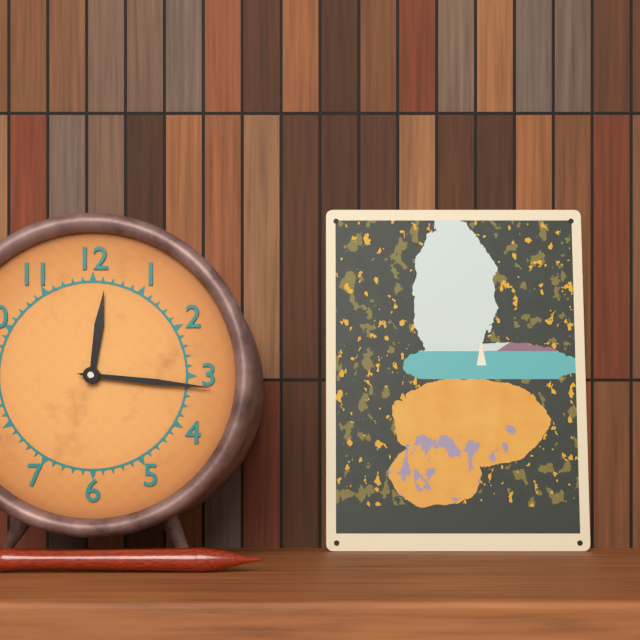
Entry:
12 h 16 min
